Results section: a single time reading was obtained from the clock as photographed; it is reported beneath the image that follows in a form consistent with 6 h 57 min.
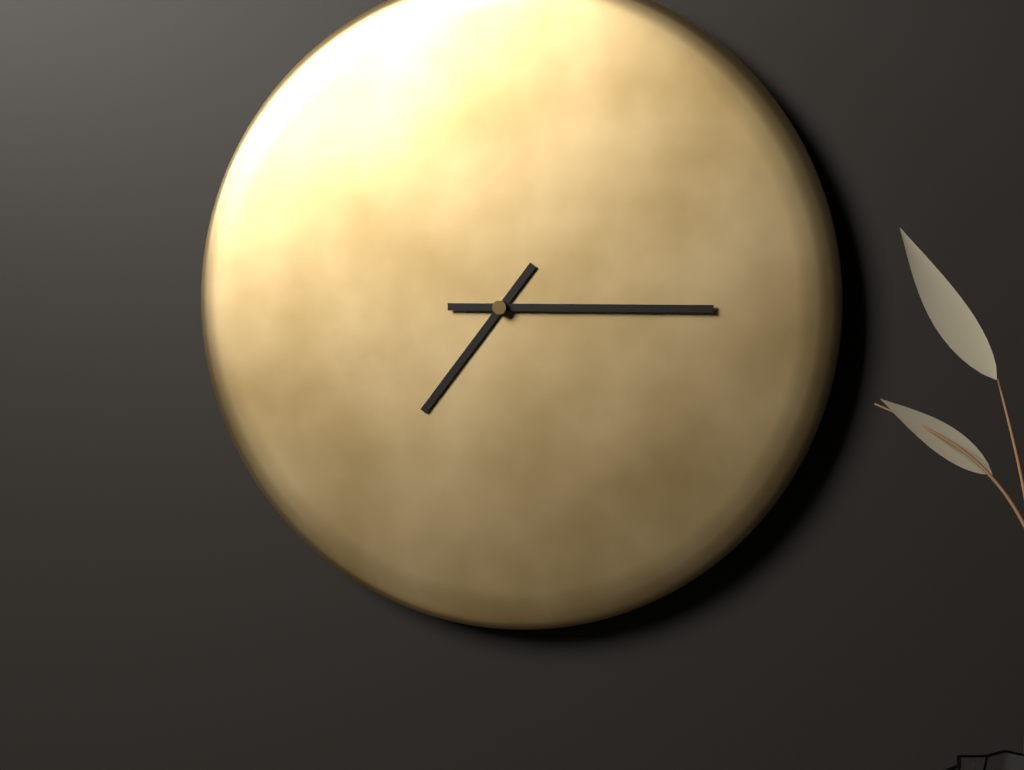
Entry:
7 h 15 min
